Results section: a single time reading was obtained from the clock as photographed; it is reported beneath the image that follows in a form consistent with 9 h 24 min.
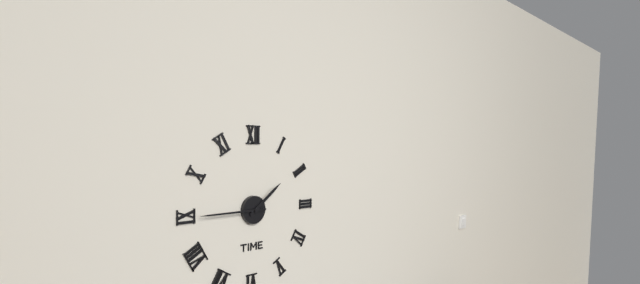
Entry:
1 h 45 min
